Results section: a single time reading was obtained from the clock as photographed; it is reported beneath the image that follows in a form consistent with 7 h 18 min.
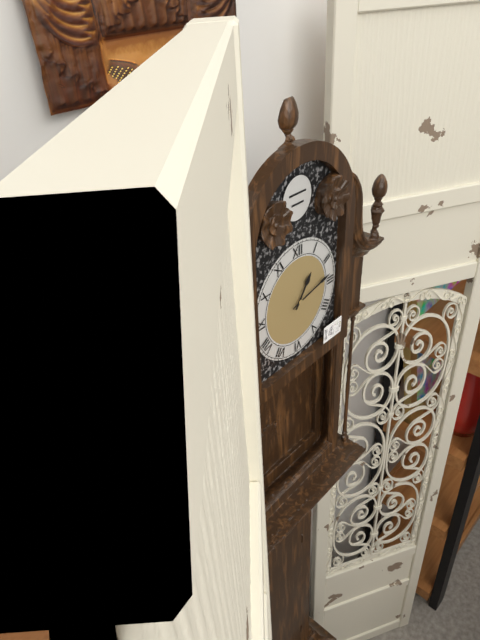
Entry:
1 h 13 min
